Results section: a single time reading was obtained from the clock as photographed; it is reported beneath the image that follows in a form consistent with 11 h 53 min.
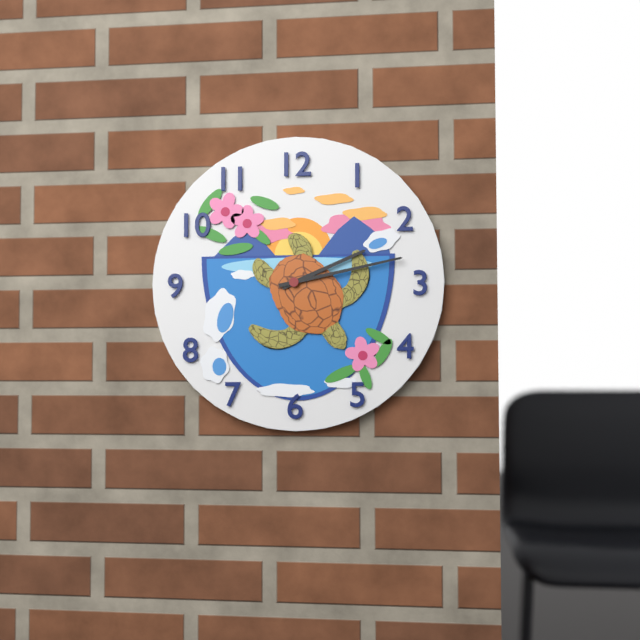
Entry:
2 h 13 min
